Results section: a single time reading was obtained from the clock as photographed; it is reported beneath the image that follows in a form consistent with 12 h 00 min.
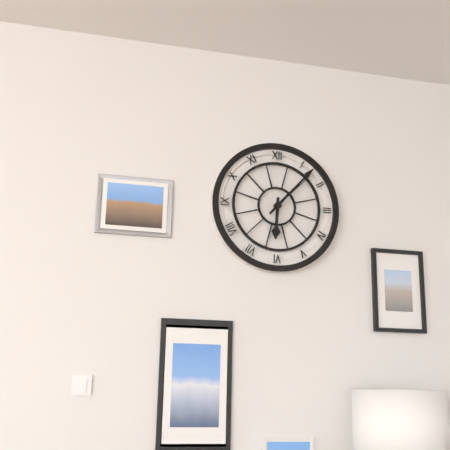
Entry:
6 h 07 min
